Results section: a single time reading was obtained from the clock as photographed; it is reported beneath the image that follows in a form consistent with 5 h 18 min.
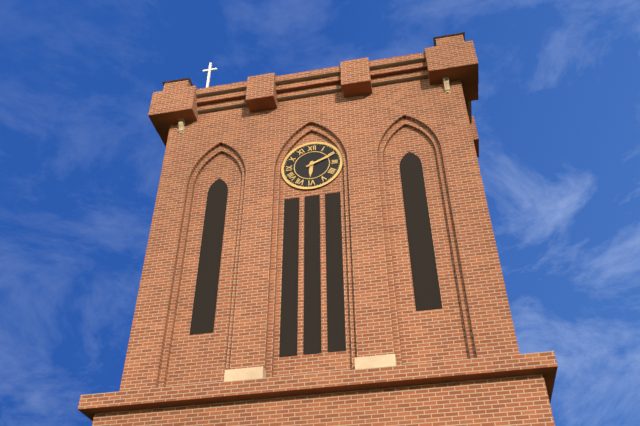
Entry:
6 h 11 min
